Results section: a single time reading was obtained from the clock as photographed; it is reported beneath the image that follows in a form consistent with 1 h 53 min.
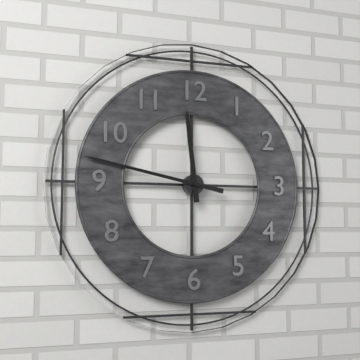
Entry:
11 h 47 min
